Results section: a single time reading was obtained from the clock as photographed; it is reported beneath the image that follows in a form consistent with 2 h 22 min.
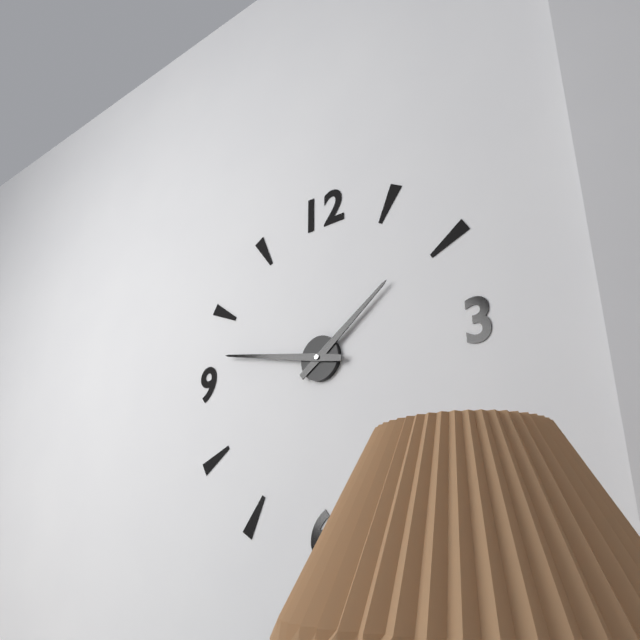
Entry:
1 h 47 min
